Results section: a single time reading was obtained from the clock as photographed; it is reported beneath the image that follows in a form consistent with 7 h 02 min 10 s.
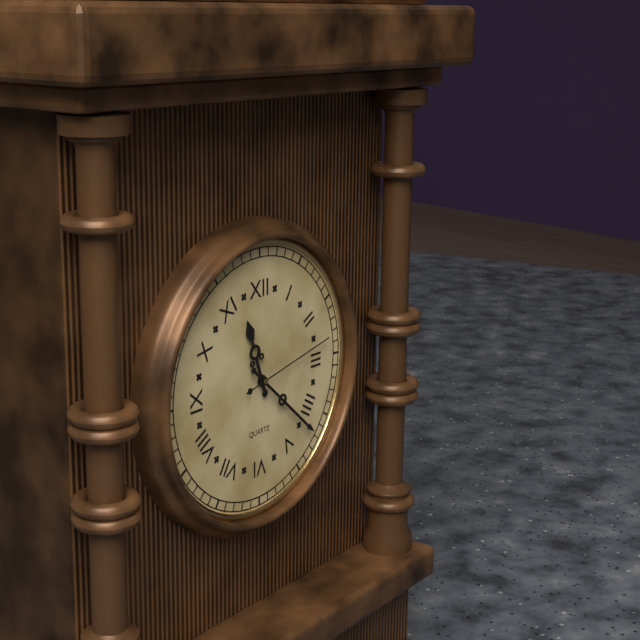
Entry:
11 h 22 min 13 s
